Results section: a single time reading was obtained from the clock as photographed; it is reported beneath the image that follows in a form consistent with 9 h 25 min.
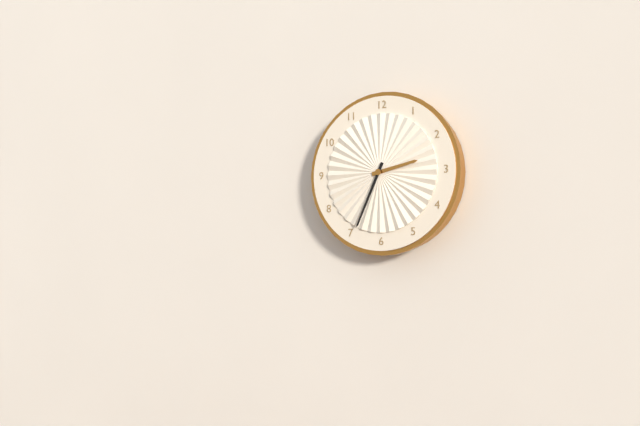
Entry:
2 h 34 min
